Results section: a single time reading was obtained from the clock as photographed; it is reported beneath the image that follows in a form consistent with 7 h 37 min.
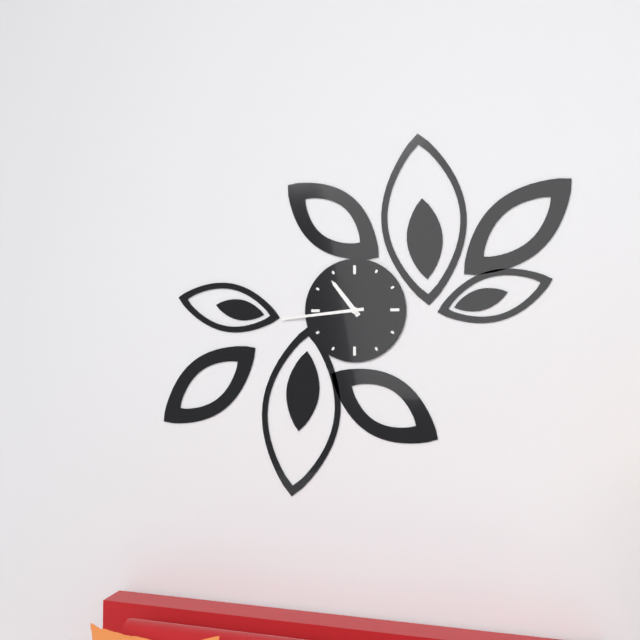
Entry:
10 h 44 min
